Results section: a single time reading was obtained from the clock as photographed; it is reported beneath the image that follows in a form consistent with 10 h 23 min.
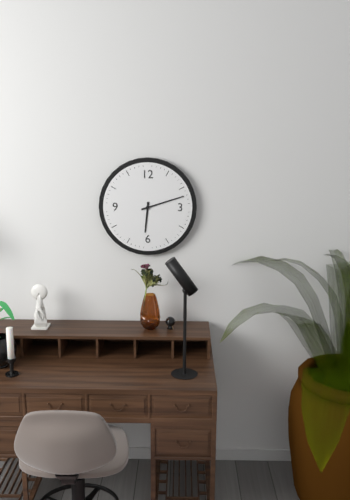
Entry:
6 h 12 min
